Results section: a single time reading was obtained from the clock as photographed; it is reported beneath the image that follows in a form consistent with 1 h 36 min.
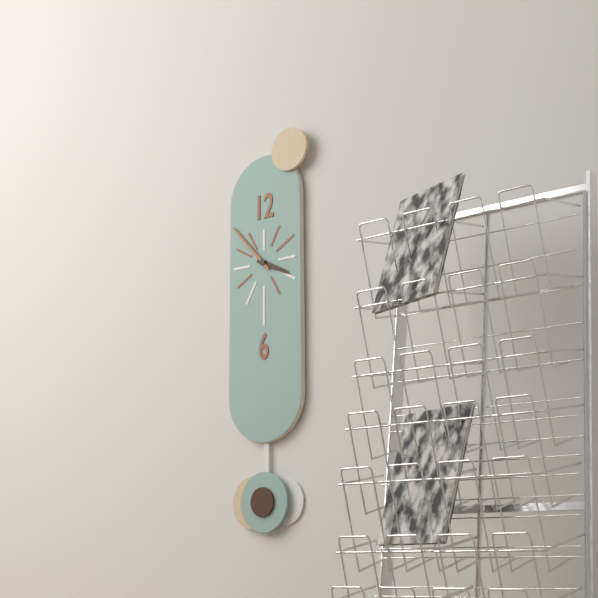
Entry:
3 h 53 min
